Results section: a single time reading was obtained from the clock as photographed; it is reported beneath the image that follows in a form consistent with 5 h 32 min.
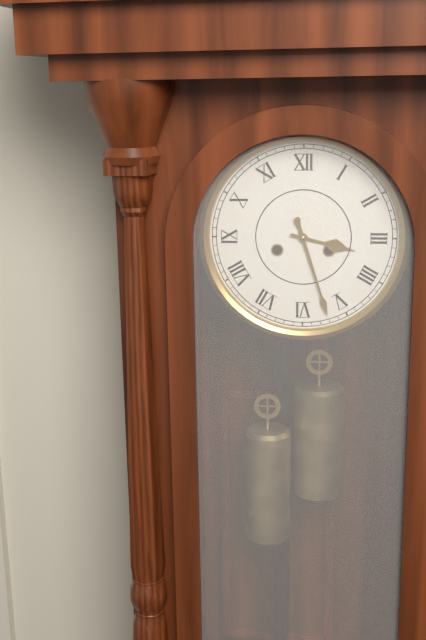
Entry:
3 h 27 min
